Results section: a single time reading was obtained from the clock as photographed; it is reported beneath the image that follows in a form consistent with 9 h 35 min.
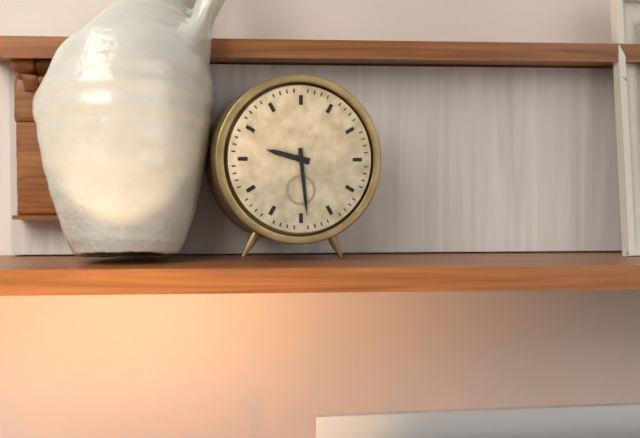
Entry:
9 h 29 min
